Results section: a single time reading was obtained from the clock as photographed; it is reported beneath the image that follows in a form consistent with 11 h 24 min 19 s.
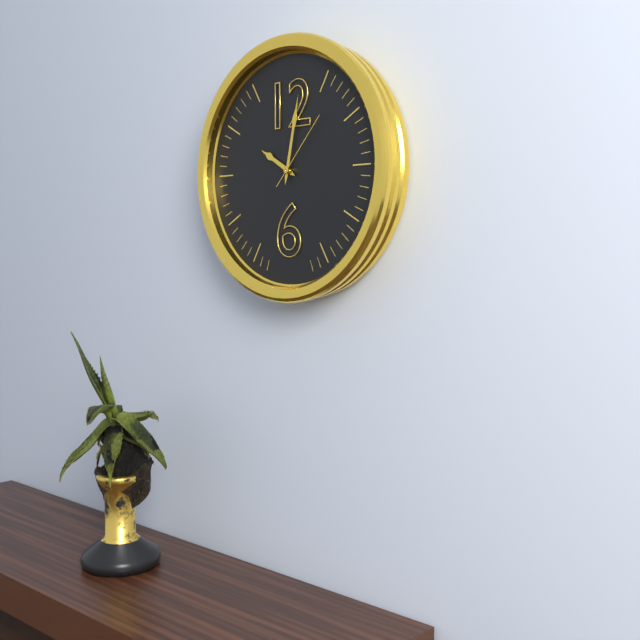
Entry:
10 h 02 min 07 s
